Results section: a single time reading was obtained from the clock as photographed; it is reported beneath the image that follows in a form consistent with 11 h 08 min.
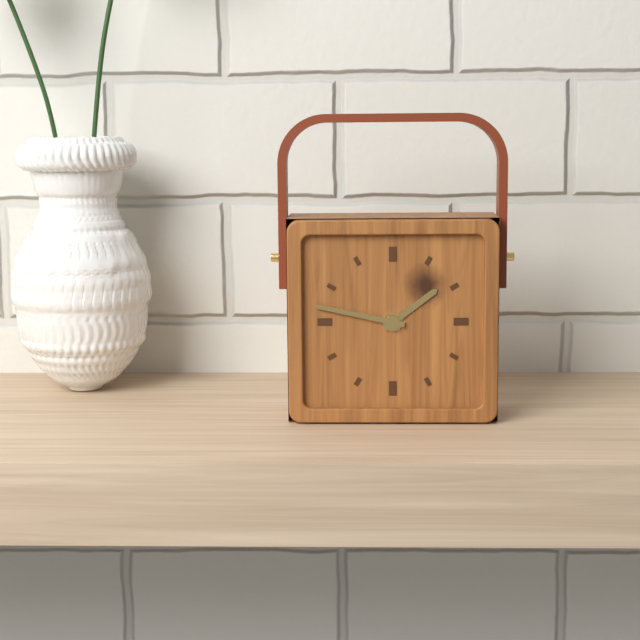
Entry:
1 h 47 min
